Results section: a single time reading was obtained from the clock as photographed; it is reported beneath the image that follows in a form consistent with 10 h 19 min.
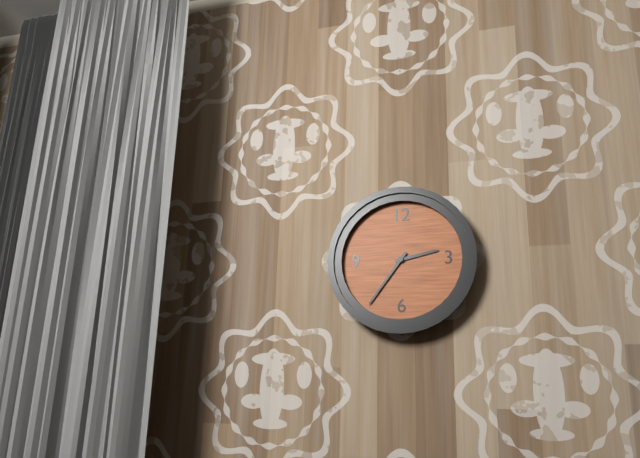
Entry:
2 h 36 min
